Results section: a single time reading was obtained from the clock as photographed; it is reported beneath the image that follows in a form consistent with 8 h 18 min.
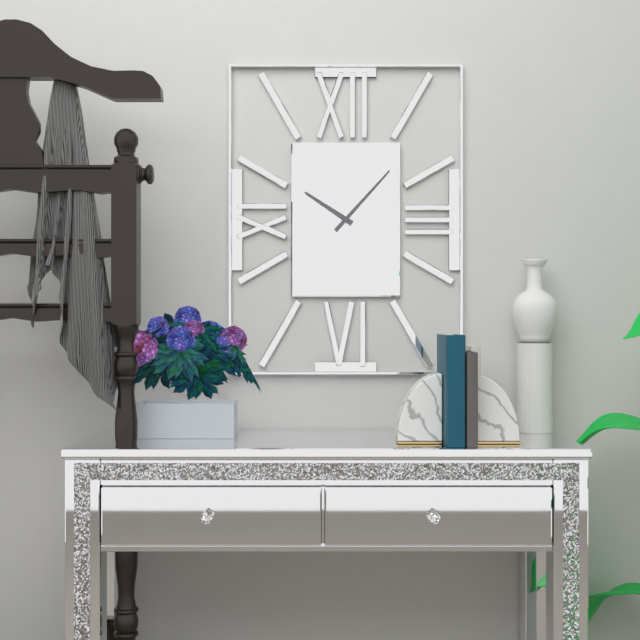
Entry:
10 h 07 min
